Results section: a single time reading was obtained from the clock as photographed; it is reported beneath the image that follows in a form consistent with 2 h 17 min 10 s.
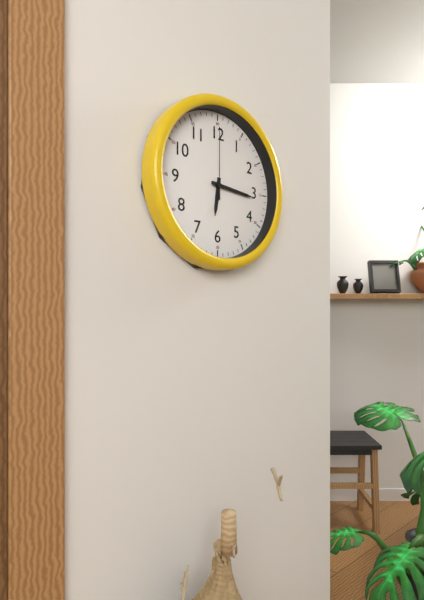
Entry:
6 h 16 min 00 s
